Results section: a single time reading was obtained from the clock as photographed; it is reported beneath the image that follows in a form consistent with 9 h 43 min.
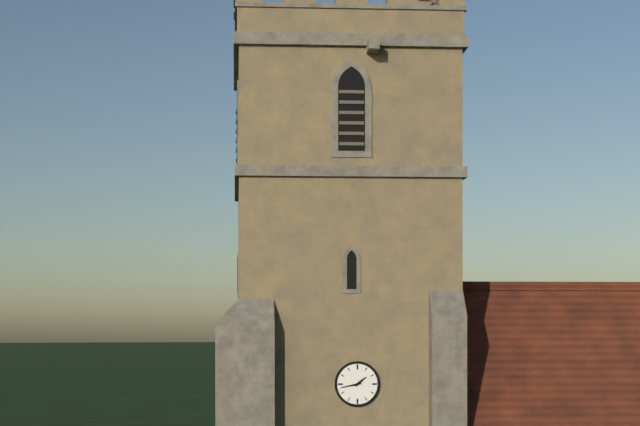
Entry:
1 h 43 min
